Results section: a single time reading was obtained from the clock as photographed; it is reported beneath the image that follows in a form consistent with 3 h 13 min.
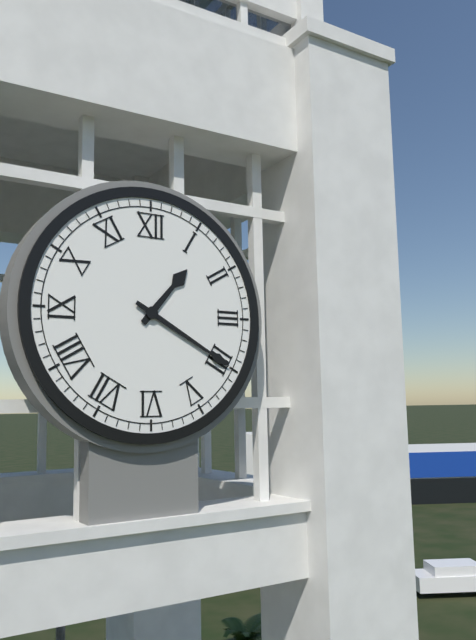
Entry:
1 h 20 min
